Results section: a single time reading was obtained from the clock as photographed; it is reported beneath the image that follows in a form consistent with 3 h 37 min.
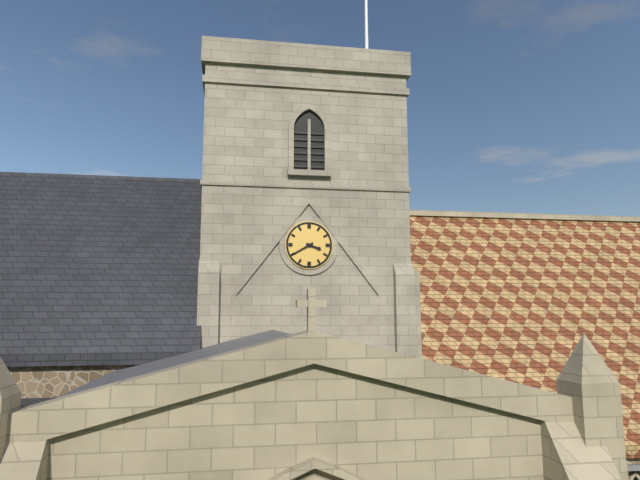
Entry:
3 h 40 min
